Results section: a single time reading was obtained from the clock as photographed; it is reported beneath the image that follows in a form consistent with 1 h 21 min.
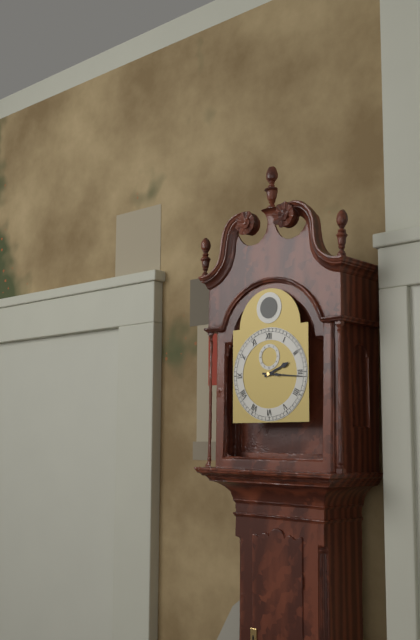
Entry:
2 h 16 min
